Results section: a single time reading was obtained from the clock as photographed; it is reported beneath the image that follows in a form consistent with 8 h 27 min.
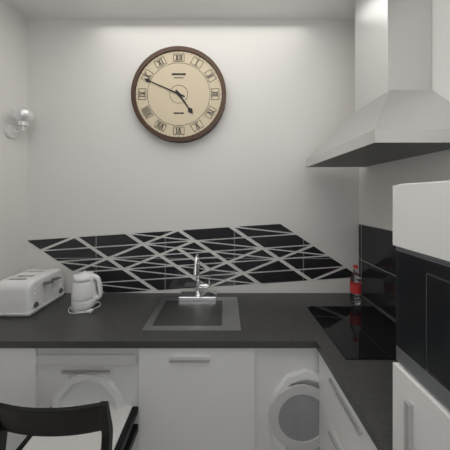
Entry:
4 h 49 min
